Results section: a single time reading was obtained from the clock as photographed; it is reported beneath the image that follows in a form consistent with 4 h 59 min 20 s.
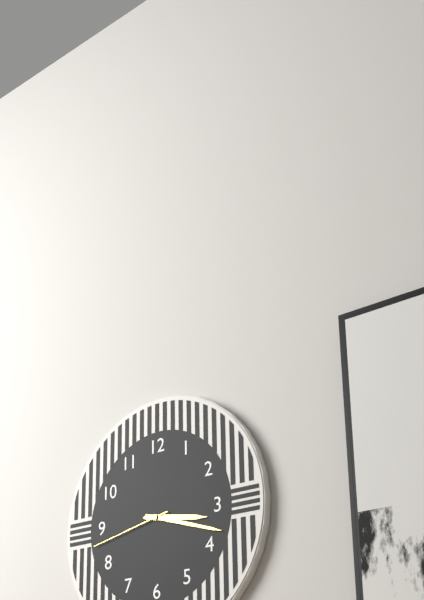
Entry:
3 h 18 min 43 s
